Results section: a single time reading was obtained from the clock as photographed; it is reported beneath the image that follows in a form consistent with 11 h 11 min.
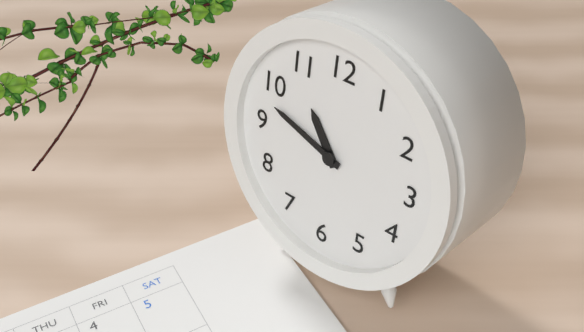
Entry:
10 h 48 min
